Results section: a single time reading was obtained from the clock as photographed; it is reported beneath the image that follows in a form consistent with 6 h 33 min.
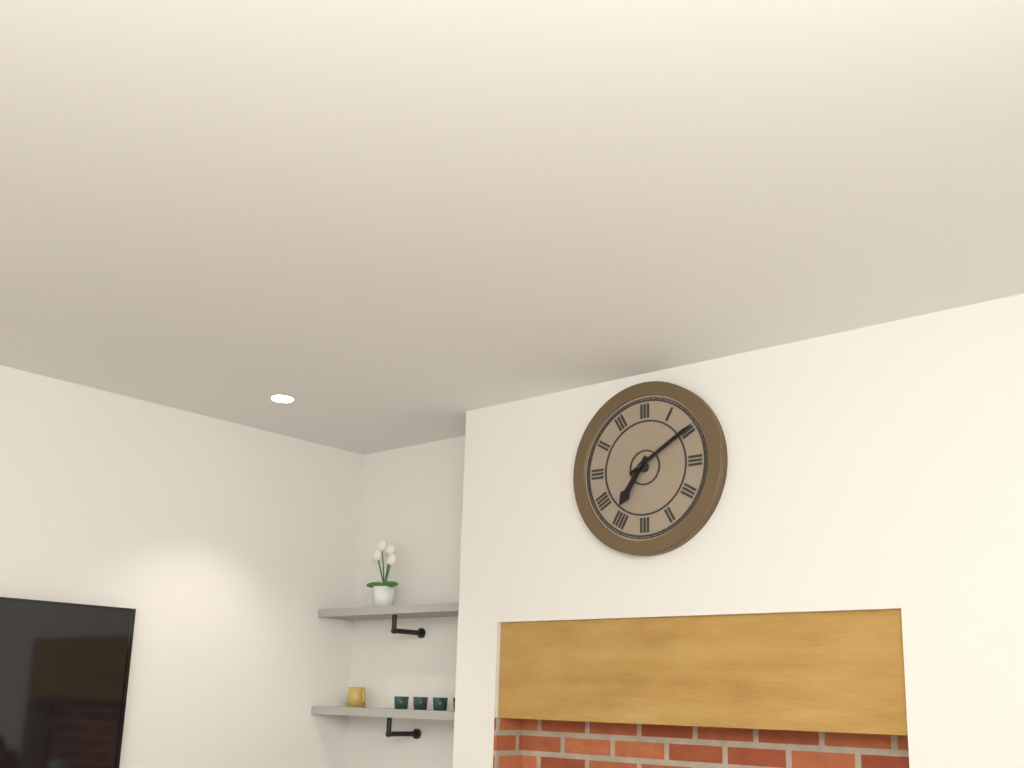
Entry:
7 h 10 min
